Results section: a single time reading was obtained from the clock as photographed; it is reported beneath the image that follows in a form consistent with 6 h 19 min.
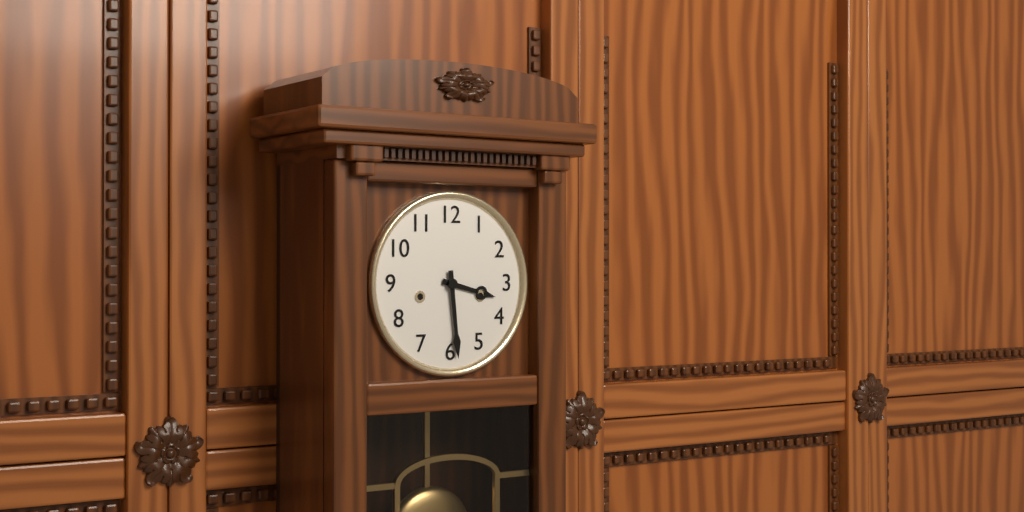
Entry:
3 h 29 min
